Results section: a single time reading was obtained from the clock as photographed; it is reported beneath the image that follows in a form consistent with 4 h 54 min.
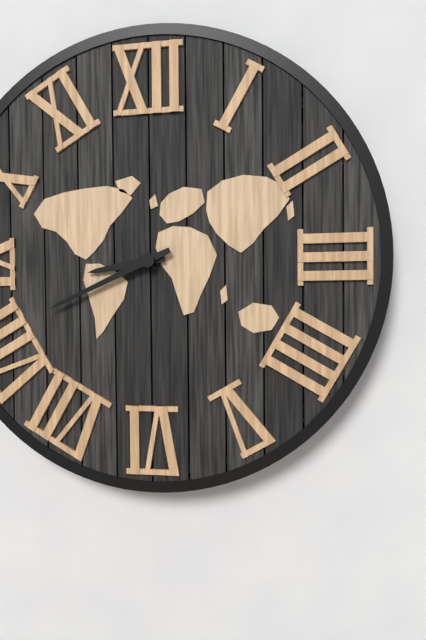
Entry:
8 h 41 min
